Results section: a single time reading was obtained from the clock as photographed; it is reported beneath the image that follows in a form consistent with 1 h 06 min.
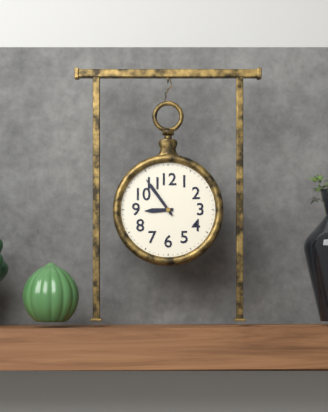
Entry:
8 h 54 min
